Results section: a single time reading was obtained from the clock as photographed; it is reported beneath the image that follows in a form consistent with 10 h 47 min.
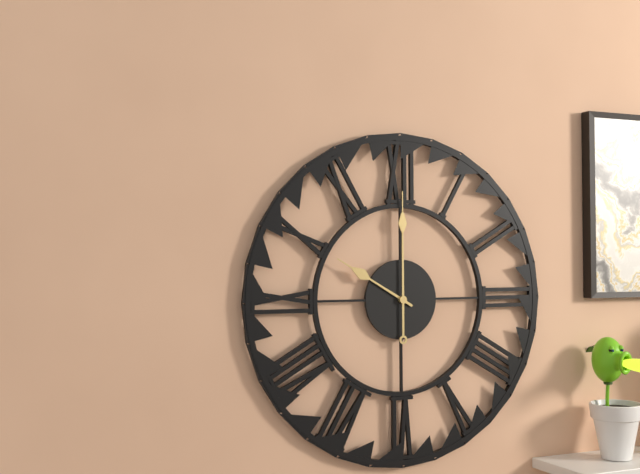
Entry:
10 h 00 min
